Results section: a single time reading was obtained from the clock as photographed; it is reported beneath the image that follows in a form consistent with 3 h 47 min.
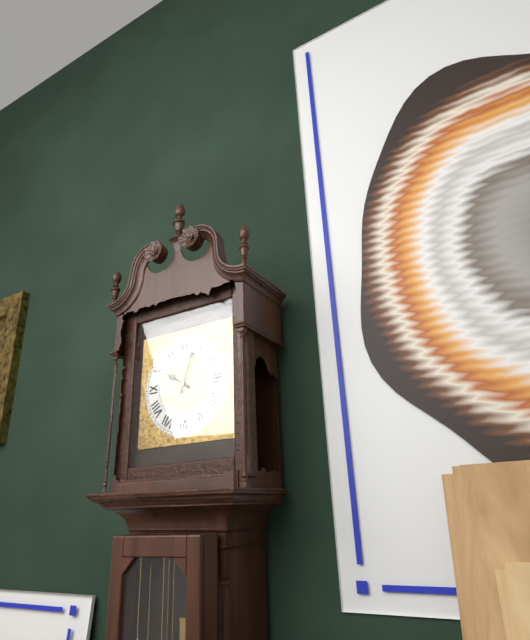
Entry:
10 h 03 min
